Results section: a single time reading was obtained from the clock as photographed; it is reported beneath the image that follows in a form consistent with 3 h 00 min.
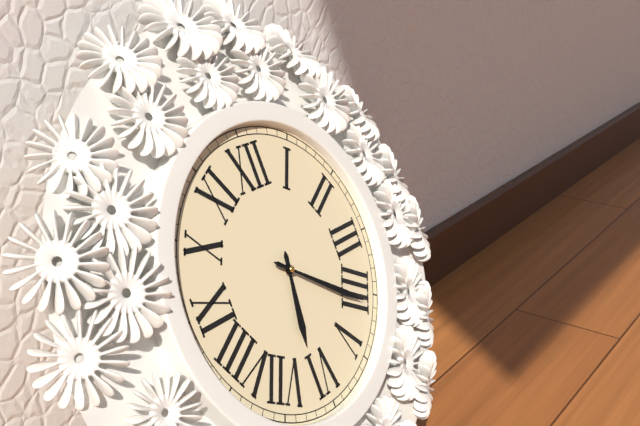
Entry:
6 h 21 min
